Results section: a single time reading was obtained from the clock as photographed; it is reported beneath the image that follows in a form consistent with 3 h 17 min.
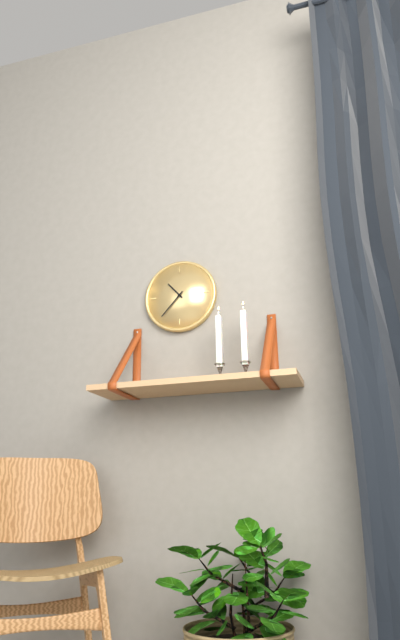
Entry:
10 h 37 min
